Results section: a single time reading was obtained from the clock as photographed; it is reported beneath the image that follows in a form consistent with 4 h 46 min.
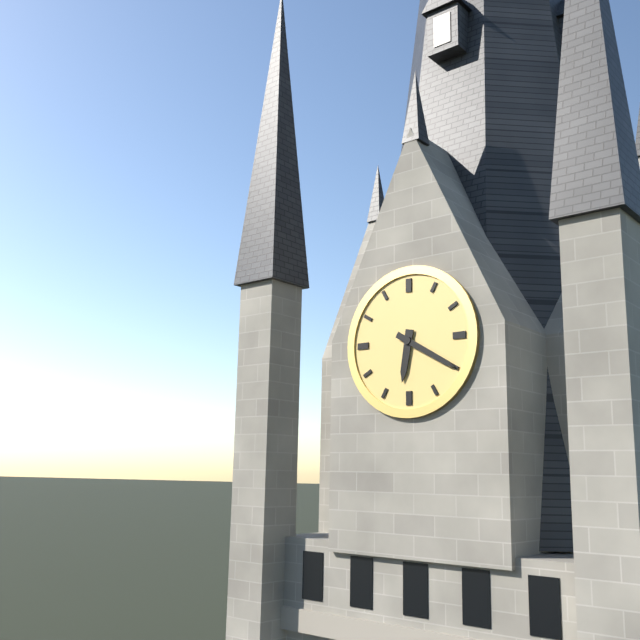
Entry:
6 h 20 min
